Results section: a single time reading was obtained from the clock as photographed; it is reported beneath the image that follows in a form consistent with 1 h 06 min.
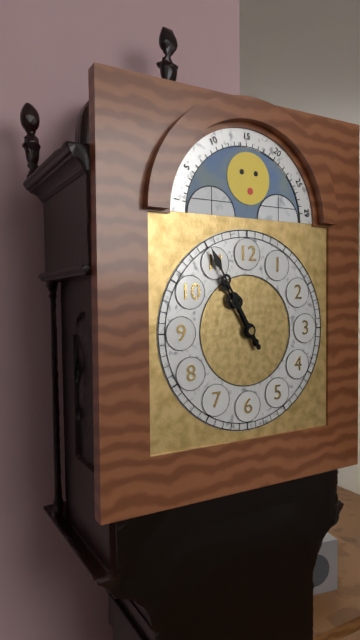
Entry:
10 h 55 min
